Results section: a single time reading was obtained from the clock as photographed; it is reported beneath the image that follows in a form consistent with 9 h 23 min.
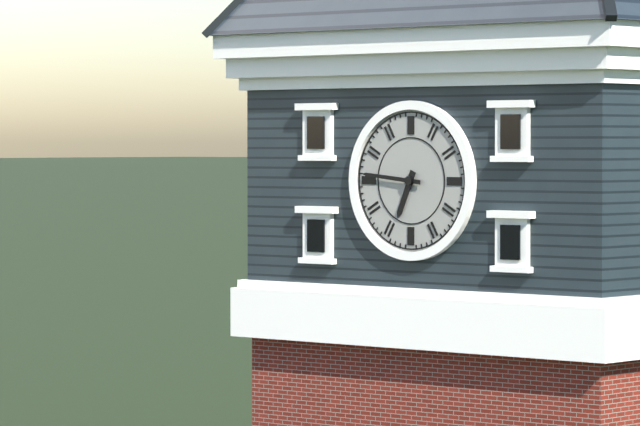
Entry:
6 h 46 min
